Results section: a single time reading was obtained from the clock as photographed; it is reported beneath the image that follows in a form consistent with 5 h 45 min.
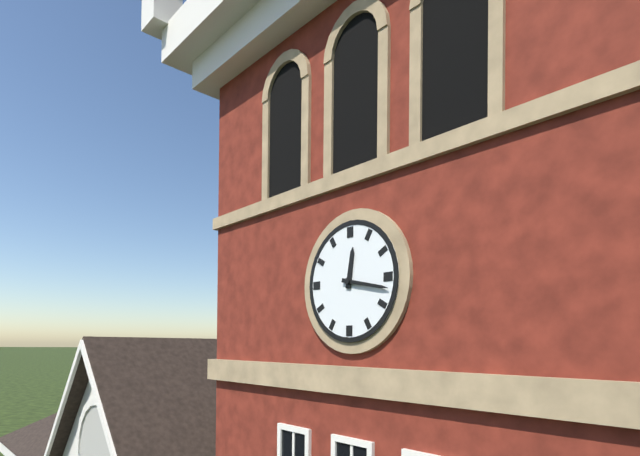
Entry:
12 h 17 min
